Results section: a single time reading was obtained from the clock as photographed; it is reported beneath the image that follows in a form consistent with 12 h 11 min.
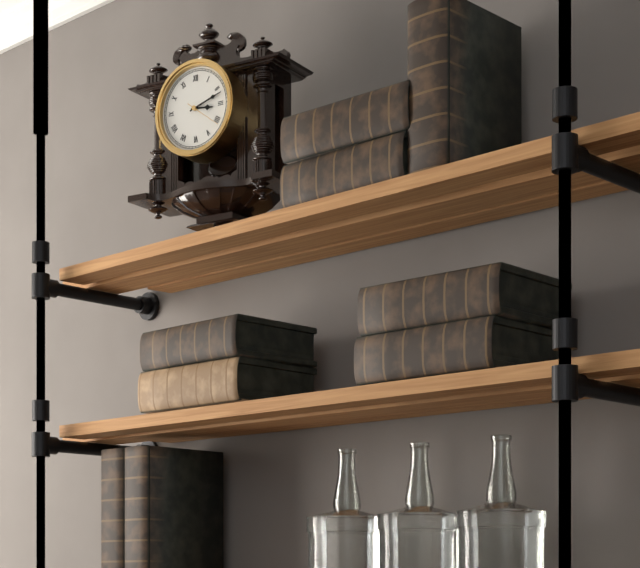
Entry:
3 h 12 min
